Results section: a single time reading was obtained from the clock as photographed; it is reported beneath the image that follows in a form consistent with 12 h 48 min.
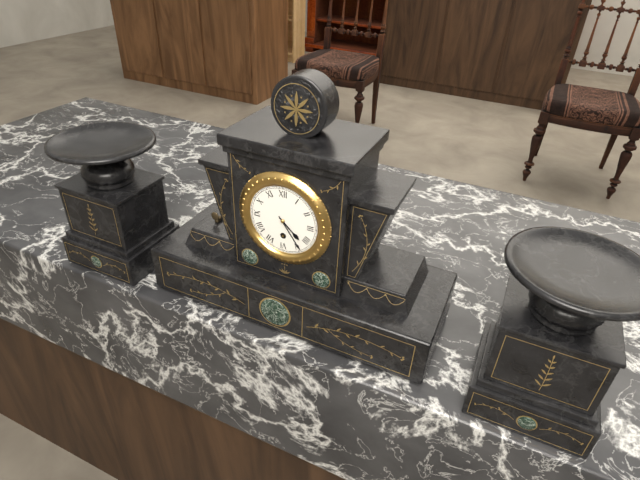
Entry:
4 h 24 min
